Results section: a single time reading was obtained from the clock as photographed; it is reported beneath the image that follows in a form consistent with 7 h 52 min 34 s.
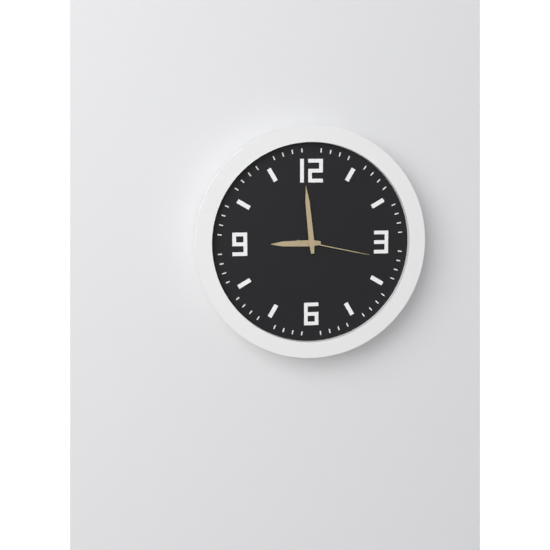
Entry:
8 h 59 min 17 s
